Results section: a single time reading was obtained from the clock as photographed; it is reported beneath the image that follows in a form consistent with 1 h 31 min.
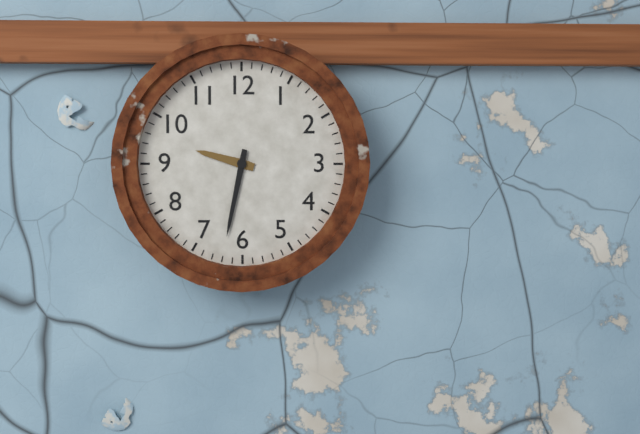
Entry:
9 h 32 min
